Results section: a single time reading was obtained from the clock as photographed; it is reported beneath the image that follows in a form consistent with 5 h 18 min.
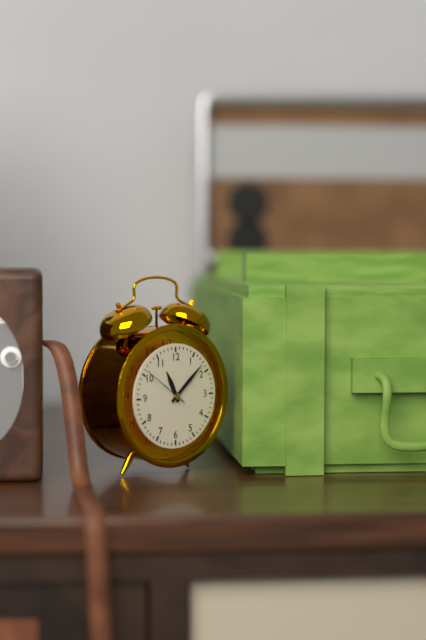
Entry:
11 h 08 min
